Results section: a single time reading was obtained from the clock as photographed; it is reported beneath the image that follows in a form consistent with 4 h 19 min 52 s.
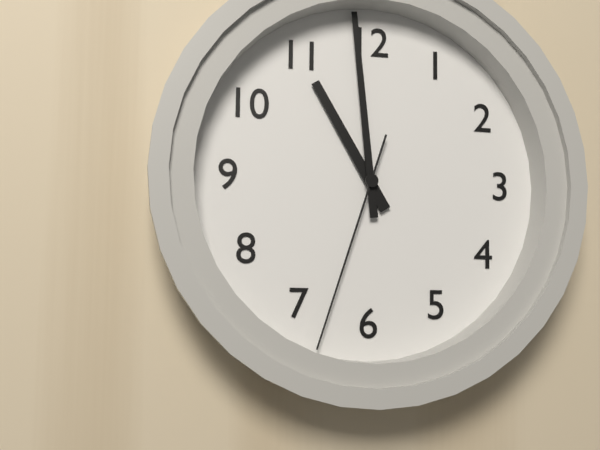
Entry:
10 h 59 min 33 s
